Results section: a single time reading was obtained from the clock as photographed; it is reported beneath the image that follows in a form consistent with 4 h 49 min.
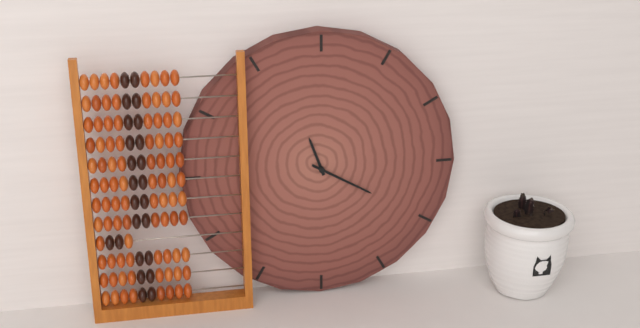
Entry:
11 h 20 min
